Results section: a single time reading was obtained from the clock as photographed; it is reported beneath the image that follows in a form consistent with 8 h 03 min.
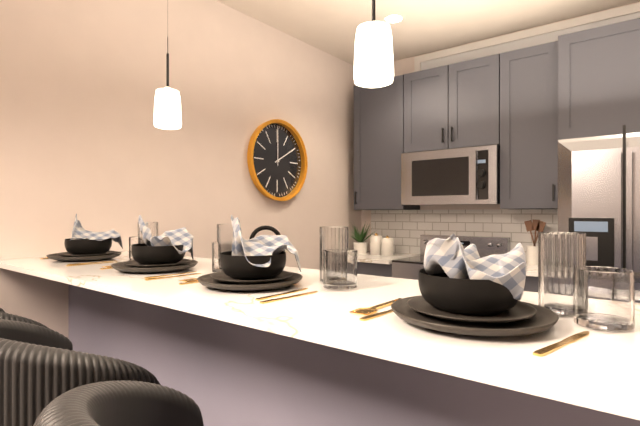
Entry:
2 h 00 min
